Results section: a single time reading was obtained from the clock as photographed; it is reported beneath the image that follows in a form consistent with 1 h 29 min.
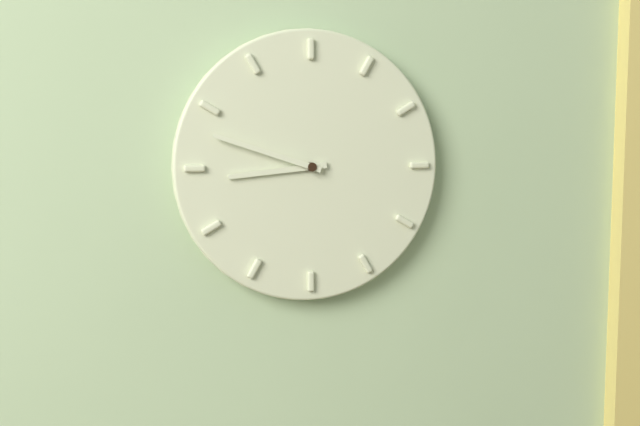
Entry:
8 h 48 min
